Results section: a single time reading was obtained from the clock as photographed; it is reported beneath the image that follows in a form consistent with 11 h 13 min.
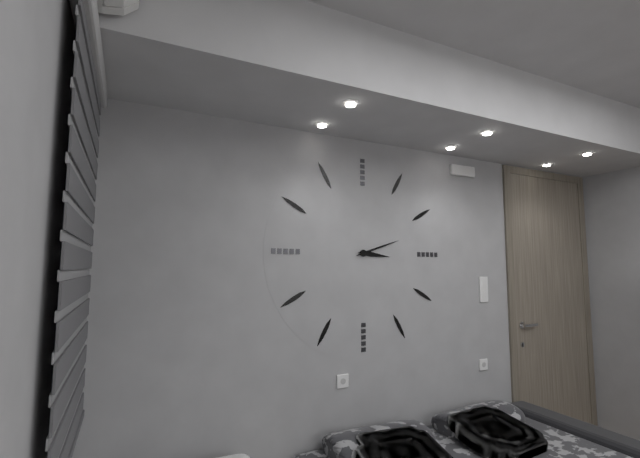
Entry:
3 h 12 min
